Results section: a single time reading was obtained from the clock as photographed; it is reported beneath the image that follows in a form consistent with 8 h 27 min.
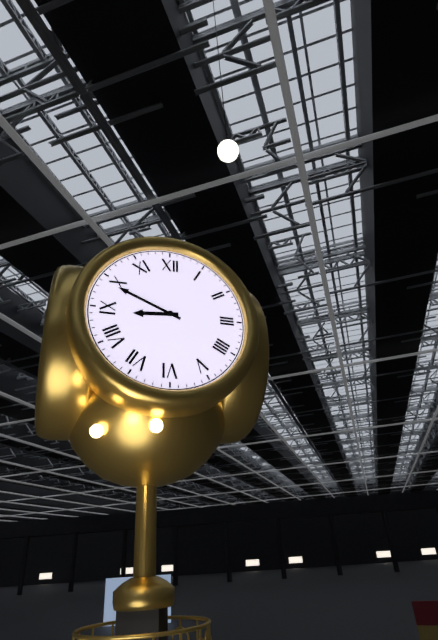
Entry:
8 h 49 min
